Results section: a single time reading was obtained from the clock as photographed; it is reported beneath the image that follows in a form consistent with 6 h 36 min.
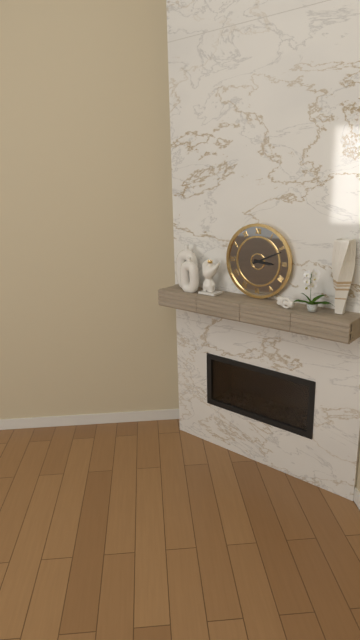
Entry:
3 h 11 min
